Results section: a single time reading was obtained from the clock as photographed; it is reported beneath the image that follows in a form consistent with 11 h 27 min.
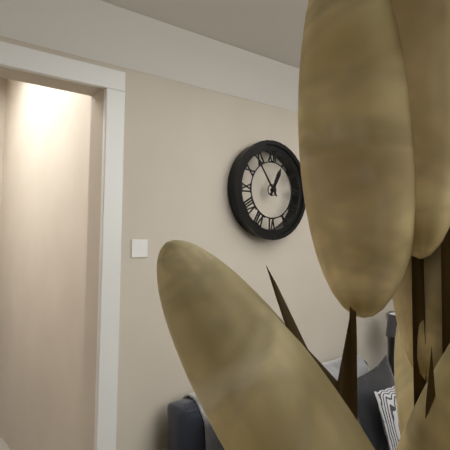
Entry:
12 h 54 min
